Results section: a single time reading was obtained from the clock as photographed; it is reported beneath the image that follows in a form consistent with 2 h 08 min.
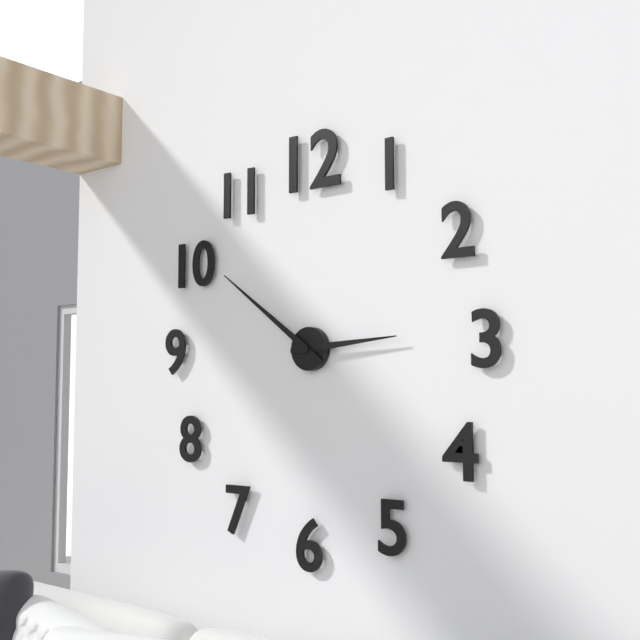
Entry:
2 h 51 min
